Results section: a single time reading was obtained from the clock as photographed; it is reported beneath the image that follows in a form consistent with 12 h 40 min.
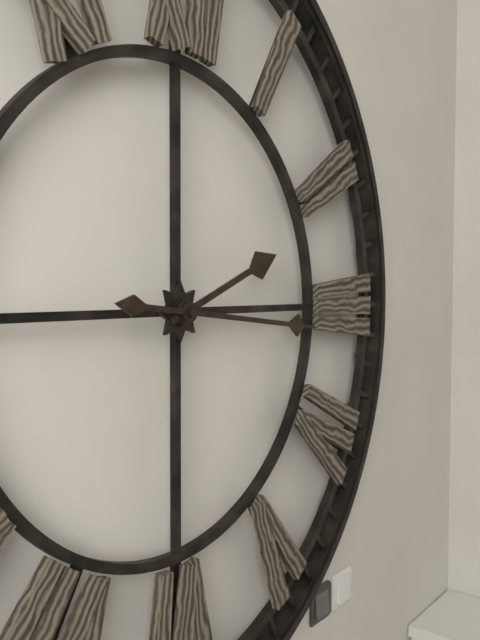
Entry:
2 h 16 min
